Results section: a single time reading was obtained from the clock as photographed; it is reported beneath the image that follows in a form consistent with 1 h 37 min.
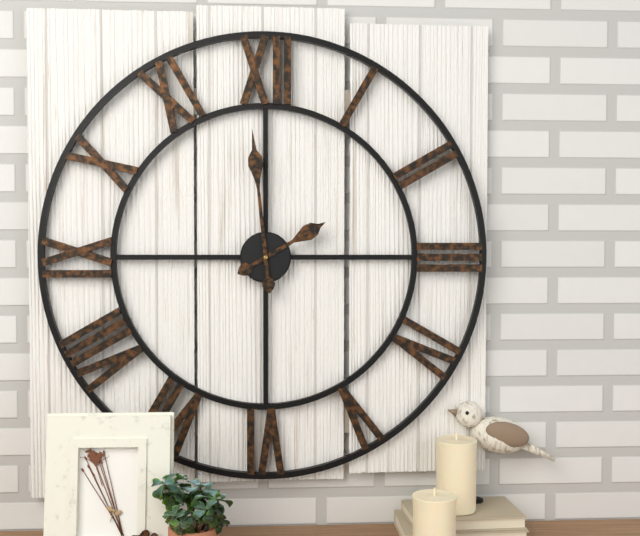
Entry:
1 h 59 min
